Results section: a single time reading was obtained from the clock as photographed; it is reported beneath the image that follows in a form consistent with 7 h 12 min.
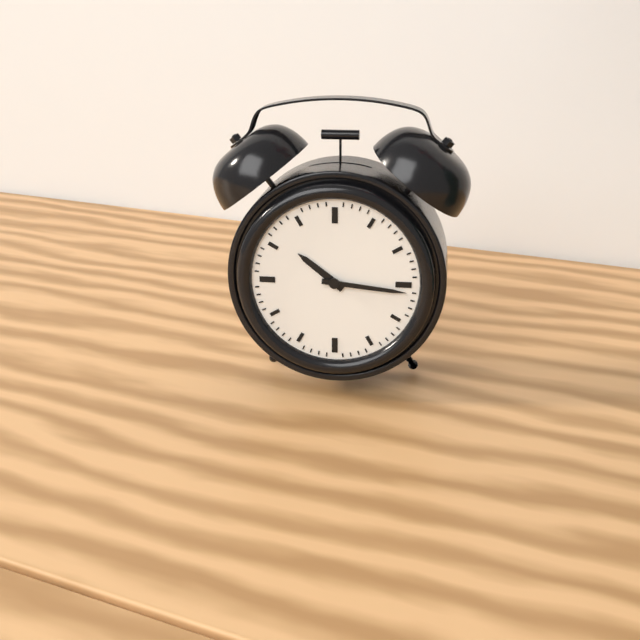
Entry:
10 h 16 min
